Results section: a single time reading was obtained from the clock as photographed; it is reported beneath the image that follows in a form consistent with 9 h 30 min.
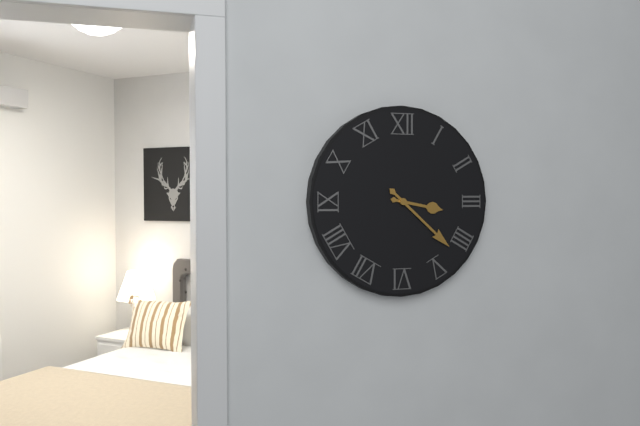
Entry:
3 h 22 min
